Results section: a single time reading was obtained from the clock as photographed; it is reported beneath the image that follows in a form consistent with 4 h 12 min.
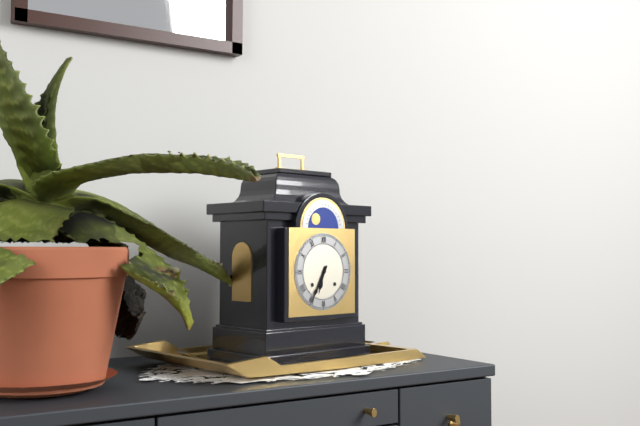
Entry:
6 h 35 min
